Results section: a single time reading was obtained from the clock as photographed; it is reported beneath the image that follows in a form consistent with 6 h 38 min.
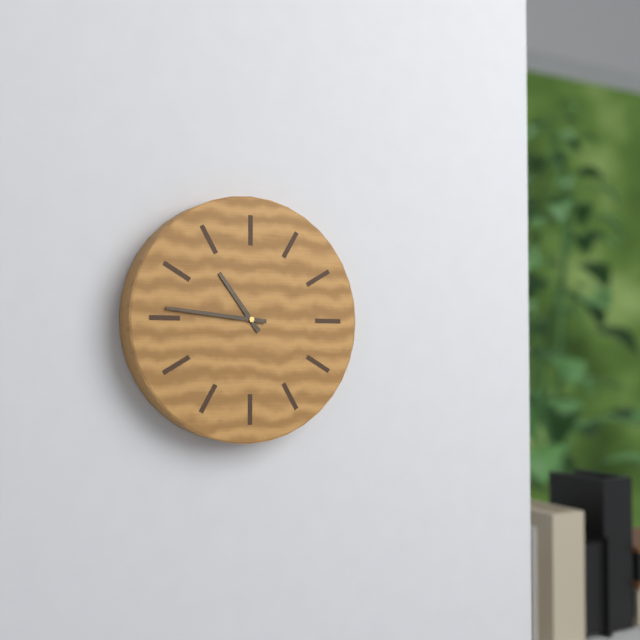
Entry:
10 h 46 min
